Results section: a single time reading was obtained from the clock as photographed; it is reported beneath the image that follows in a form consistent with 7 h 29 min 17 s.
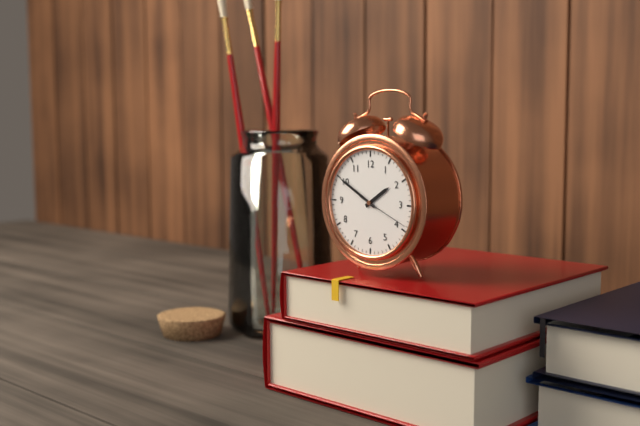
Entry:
1 h 50 min 19 s
